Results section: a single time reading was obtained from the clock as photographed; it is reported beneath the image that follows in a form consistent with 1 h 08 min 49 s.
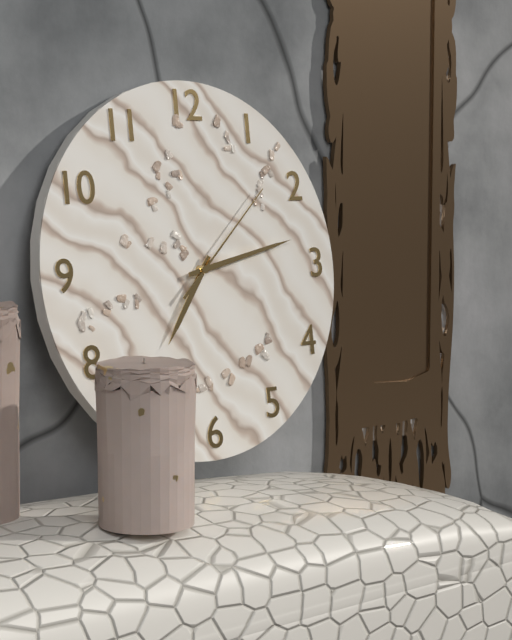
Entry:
7 h 13 min 08 s
